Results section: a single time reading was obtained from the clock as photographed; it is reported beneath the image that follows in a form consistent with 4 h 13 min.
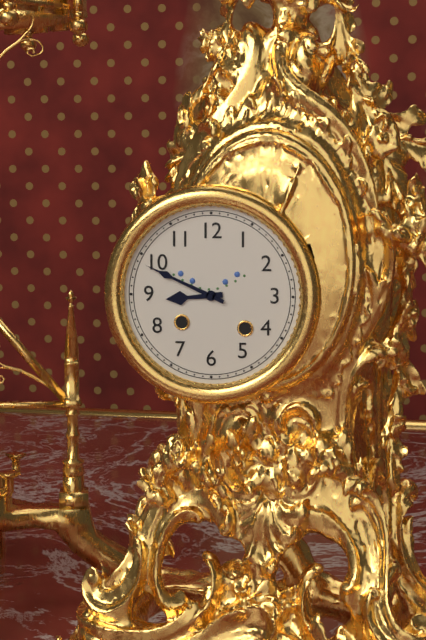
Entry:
8 h 49 min
